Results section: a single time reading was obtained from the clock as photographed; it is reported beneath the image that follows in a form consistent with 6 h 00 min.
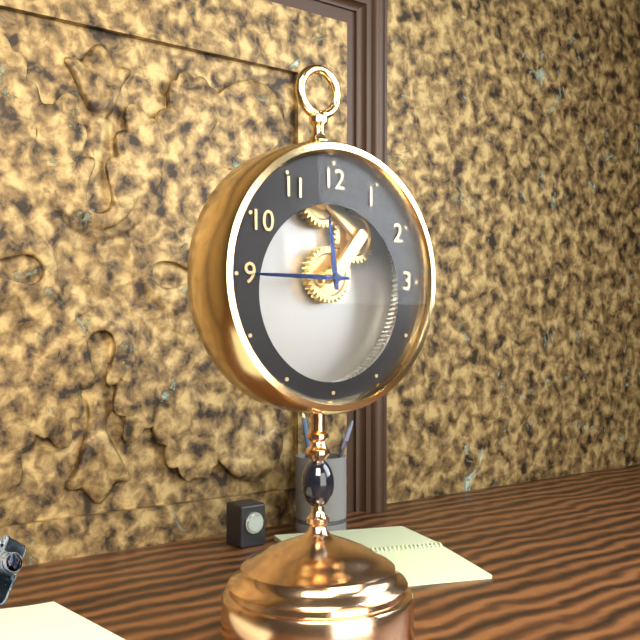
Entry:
11 h 45 min
